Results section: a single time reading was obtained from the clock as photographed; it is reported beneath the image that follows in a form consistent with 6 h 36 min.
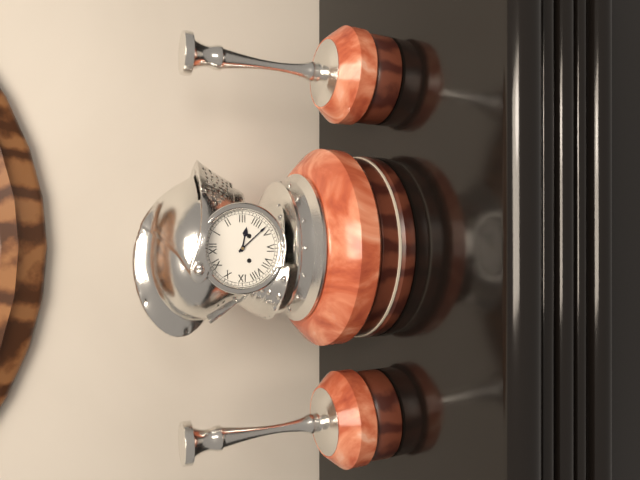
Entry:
3 h 23 min
